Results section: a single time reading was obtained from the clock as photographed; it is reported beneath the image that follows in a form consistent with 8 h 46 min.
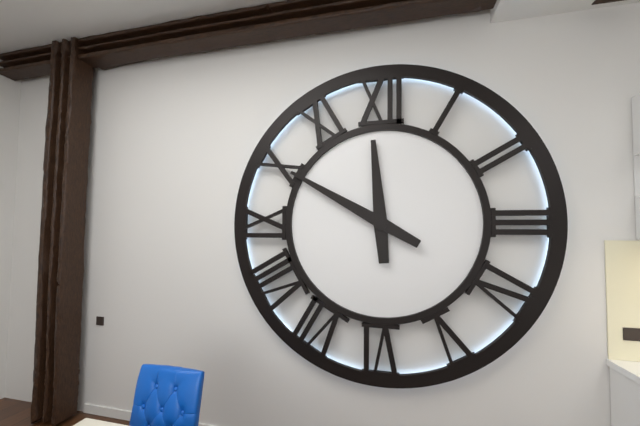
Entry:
11 h 50 min
